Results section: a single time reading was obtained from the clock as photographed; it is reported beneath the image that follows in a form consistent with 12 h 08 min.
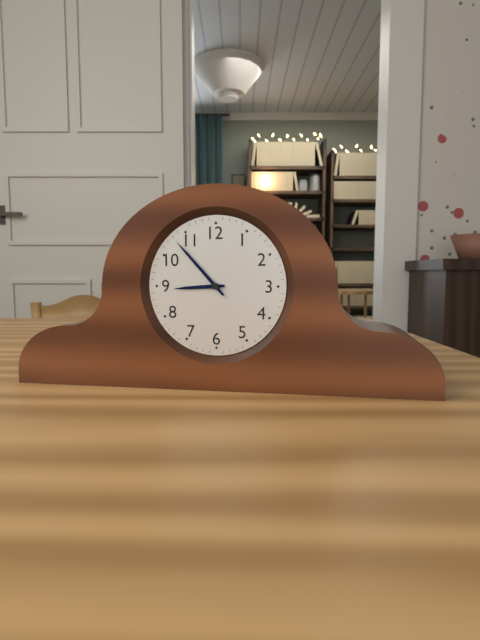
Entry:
8 h 53 min
